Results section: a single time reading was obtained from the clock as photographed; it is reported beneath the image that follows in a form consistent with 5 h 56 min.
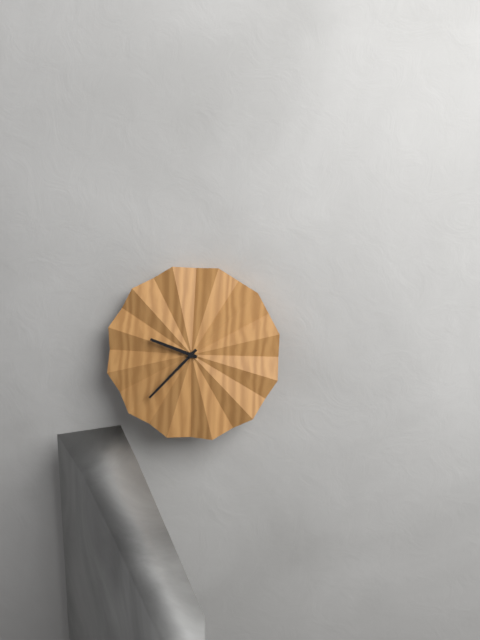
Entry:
9 h 37 min
